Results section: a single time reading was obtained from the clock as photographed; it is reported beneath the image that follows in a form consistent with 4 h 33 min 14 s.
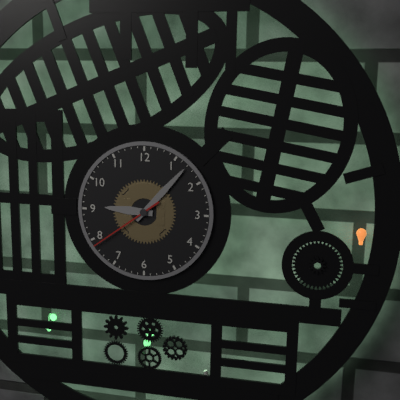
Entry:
9 h 07 min 39 s
